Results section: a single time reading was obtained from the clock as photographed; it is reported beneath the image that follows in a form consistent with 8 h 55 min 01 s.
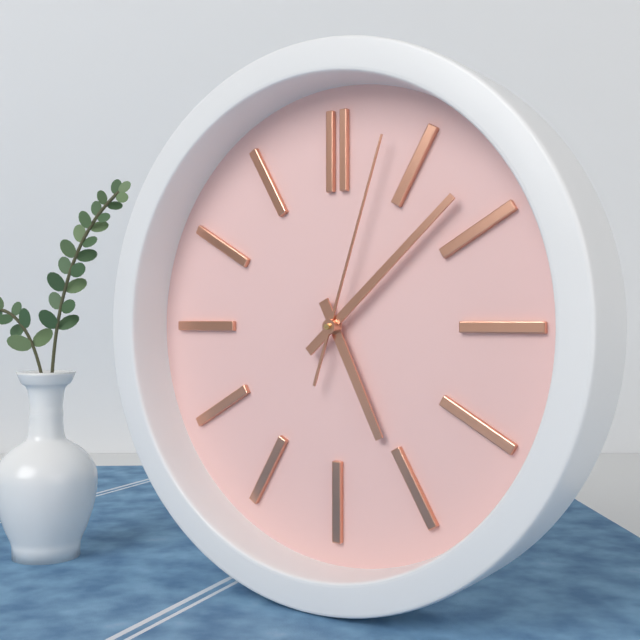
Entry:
5 h 08 min 03 s
